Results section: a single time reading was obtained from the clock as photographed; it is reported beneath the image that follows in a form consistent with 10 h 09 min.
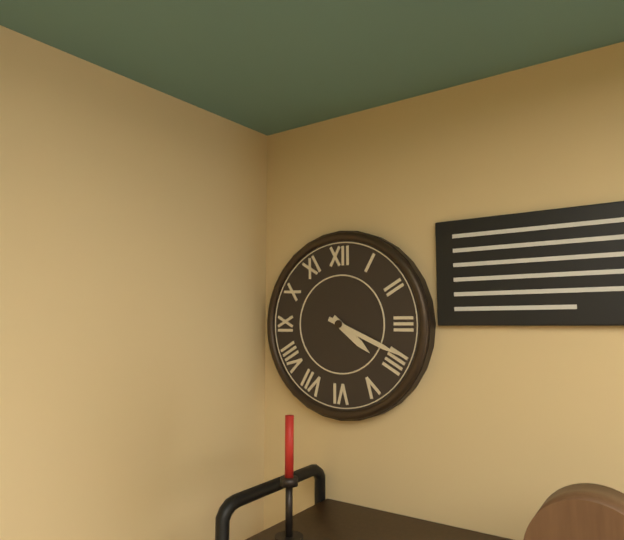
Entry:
4 h 19 min
